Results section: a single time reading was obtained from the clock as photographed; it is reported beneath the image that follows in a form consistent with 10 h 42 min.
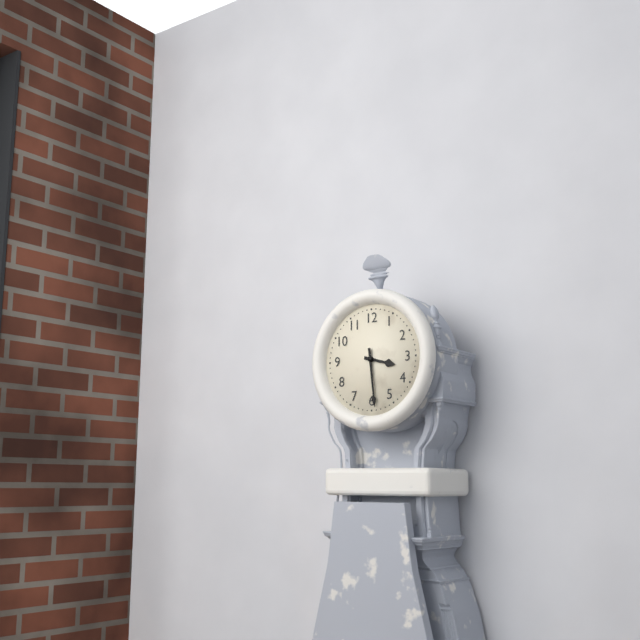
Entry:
3 h 29 min
